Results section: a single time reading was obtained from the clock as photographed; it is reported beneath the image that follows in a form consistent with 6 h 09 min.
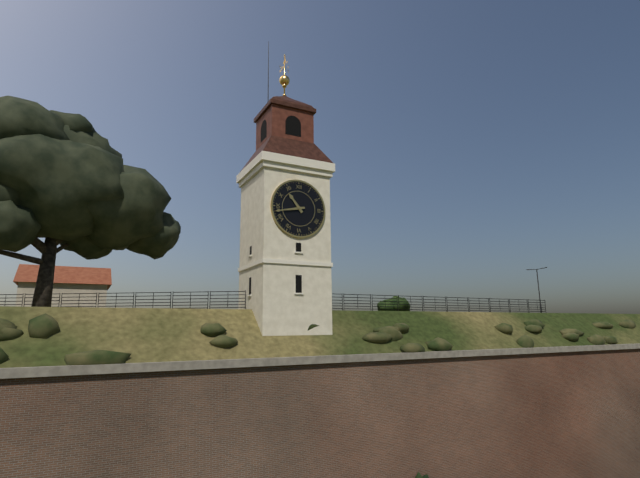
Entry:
10 h 43 min
